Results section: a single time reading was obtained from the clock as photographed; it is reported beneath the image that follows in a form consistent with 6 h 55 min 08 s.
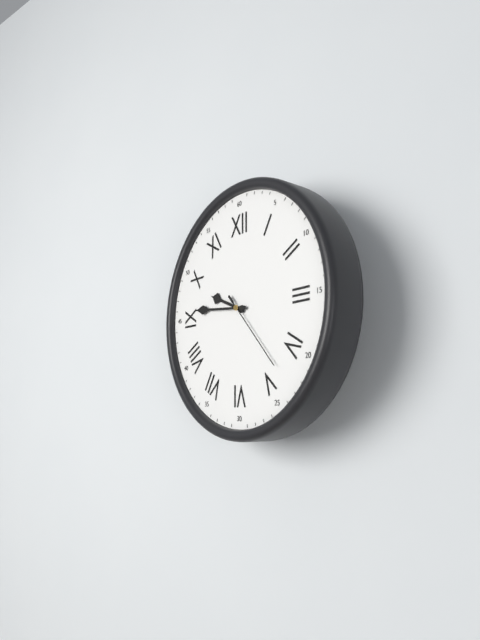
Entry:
9 h 46 min 23 s
